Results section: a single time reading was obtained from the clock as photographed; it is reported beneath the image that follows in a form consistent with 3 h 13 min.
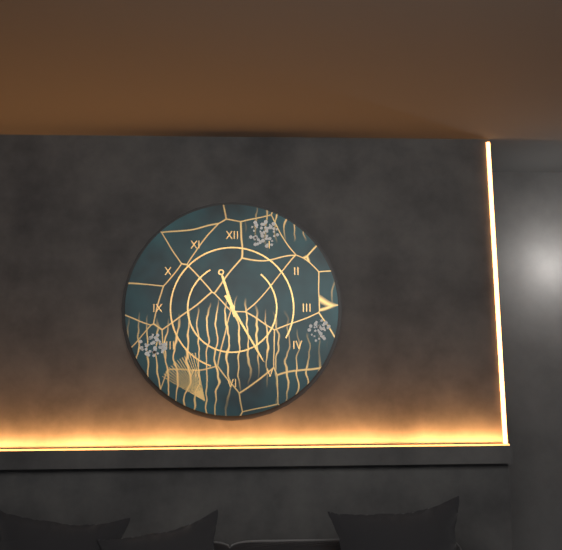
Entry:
11 h 25 min
